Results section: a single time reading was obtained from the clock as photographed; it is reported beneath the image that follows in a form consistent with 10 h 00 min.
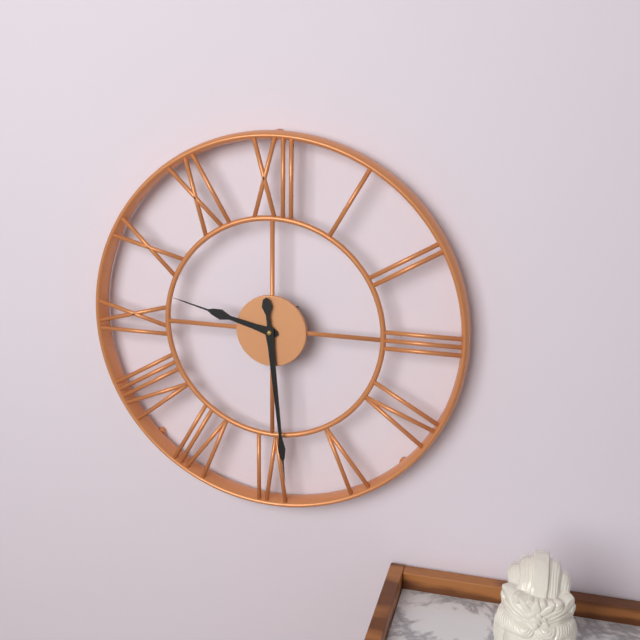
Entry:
9 h 29 min
